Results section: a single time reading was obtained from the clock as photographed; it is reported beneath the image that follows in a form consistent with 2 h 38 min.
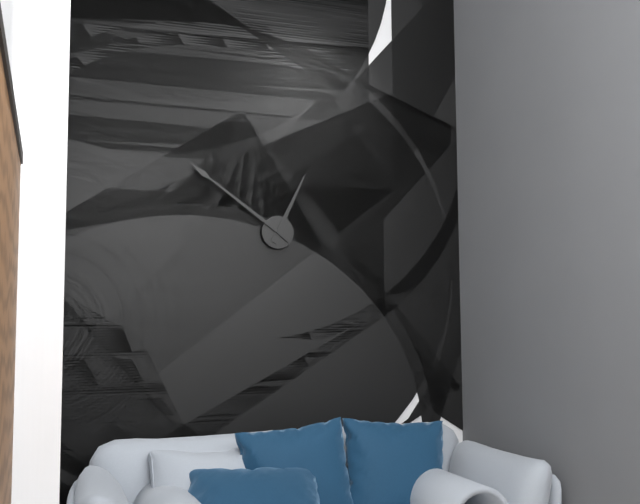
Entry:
12 h 51 min
